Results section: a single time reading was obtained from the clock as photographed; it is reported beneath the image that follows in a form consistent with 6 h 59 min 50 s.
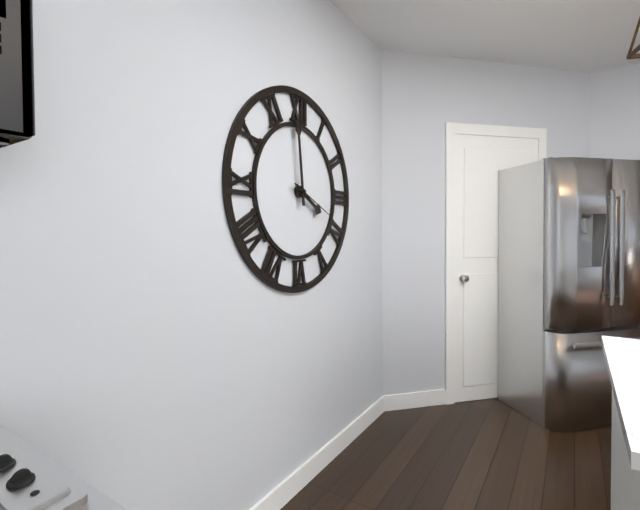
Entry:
3 h 59 min 19 s
